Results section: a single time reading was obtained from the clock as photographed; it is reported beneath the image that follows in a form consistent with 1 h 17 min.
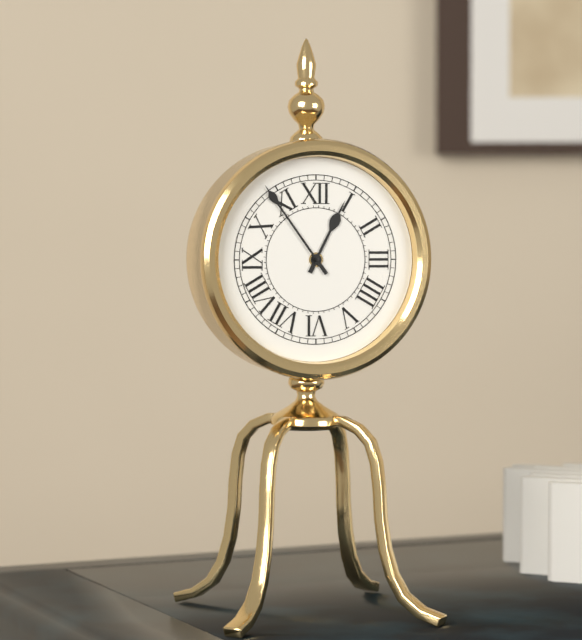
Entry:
12 h 54 min
